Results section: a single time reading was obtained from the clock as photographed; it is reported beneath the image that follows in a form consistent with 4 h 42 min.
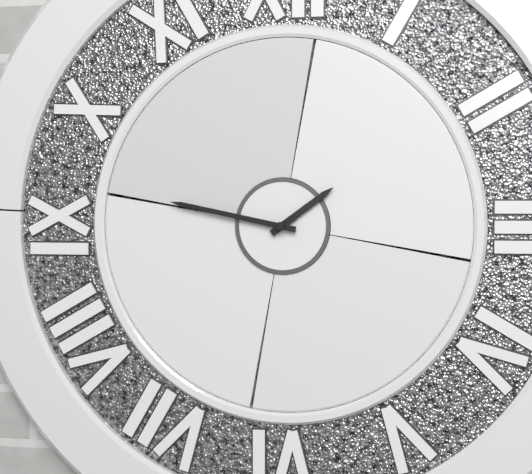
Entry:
1 h 47 min
